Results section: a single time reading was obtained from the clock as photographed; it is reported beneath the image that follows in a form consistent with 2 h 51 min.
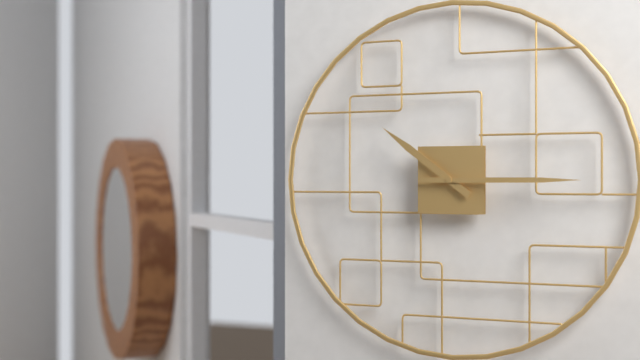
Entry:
10 h 15 min
